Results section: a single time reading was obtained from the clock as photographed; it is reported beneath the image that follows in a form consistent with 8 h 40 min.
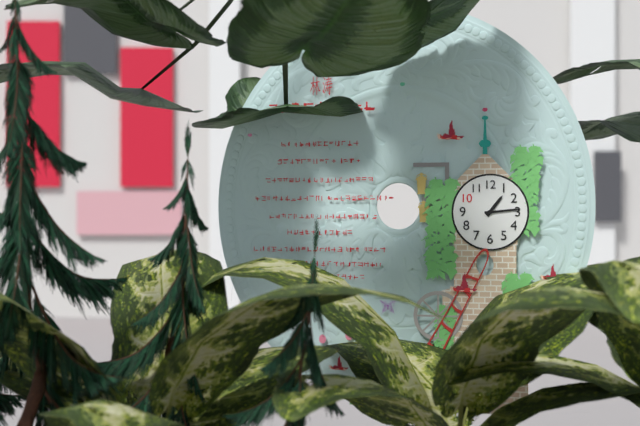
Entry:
1 h 14 min
